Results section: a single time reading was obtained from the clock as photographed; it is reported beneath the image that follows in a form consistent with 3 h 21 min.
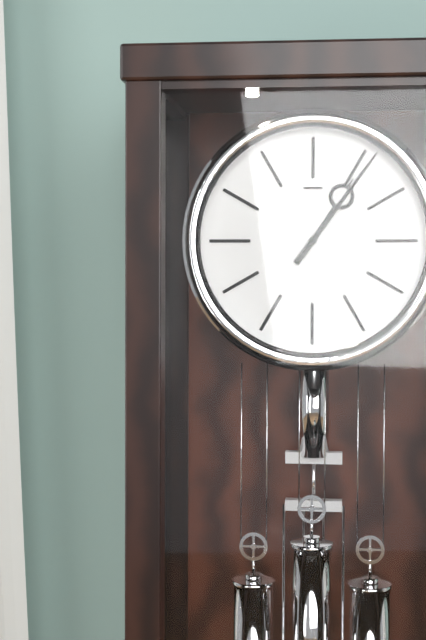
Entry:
1 h 06 min
